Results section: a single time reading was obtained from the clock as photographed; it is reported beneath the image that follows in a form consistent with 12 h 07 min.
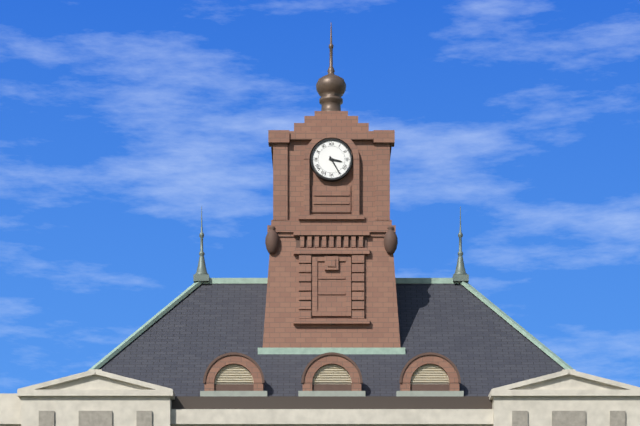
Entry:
3 h 25 min
